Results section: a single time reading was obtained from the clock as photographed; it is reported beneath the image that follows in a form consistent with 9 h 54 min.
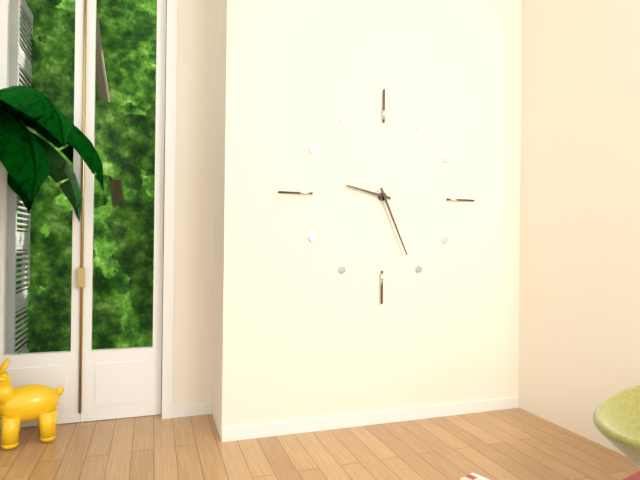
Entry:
9 h 26 min
